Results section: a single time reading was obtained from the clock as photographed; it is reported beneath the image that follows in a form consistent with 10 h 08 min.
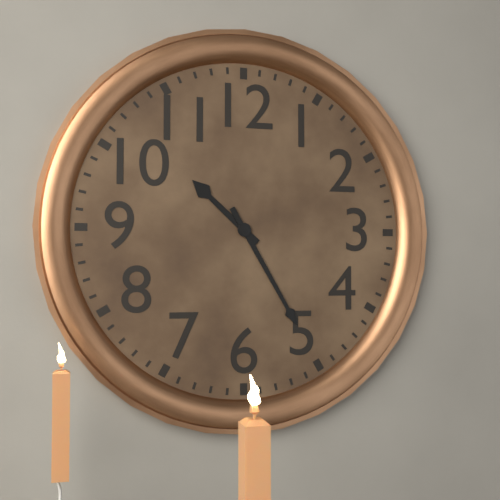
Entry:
10 h 25 min
